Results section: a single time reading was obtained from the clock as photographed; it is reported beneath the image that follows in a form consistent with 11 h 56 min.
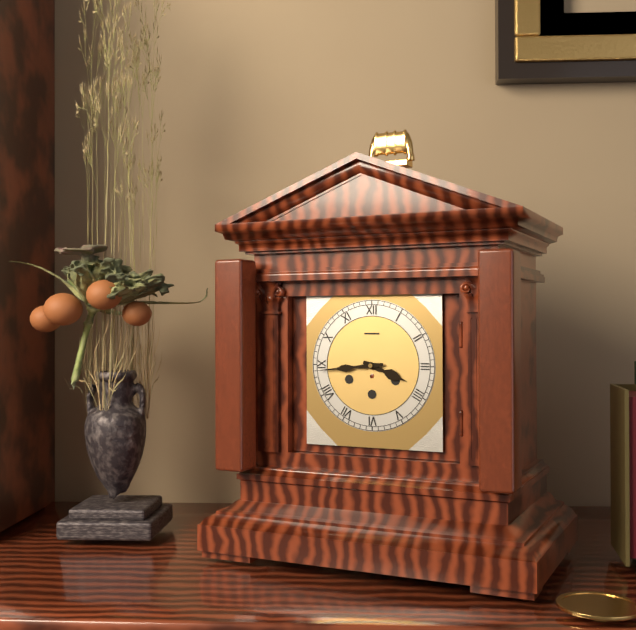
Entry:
3 h 44 min
